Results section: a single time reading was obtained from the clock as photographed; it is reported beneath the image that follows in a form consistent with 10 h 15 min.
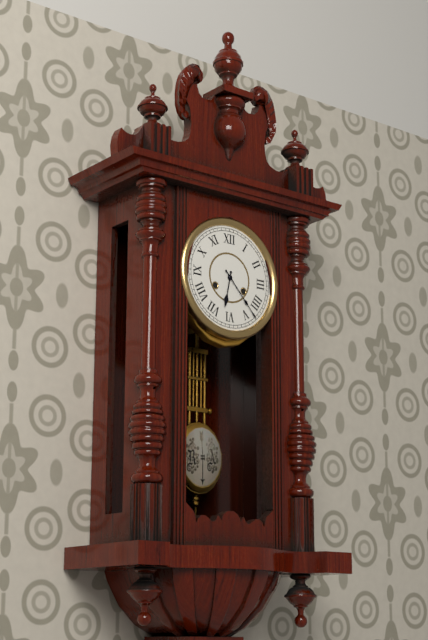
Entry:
6 h 23 min
